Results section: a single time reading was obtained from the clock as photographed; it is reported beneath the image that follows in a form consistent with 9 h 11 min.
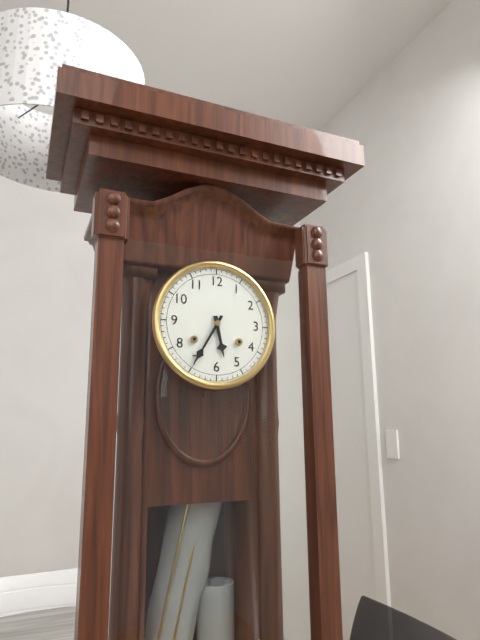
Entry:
5 h 35 min
